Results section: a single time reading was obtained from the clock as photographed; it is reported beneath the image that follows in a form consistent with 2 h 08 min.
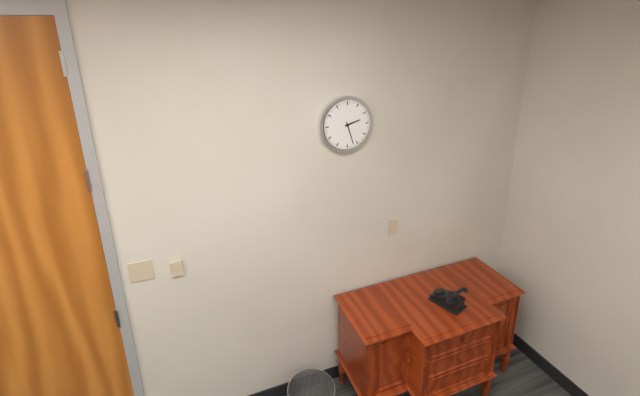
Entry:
2 h 27 min
